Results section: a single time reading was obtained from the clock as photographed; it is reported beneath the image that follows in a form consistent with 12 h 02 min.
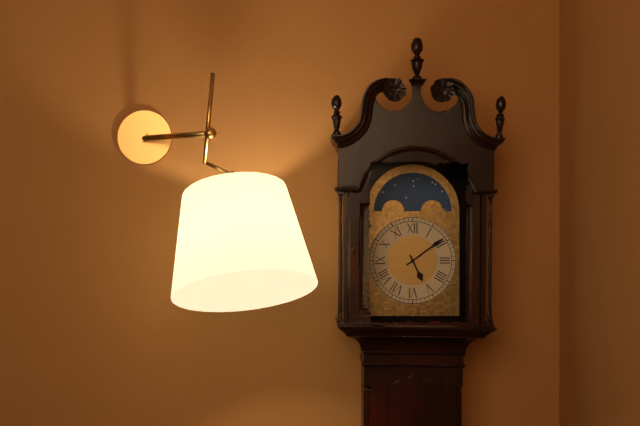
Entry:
5 h 09 min
